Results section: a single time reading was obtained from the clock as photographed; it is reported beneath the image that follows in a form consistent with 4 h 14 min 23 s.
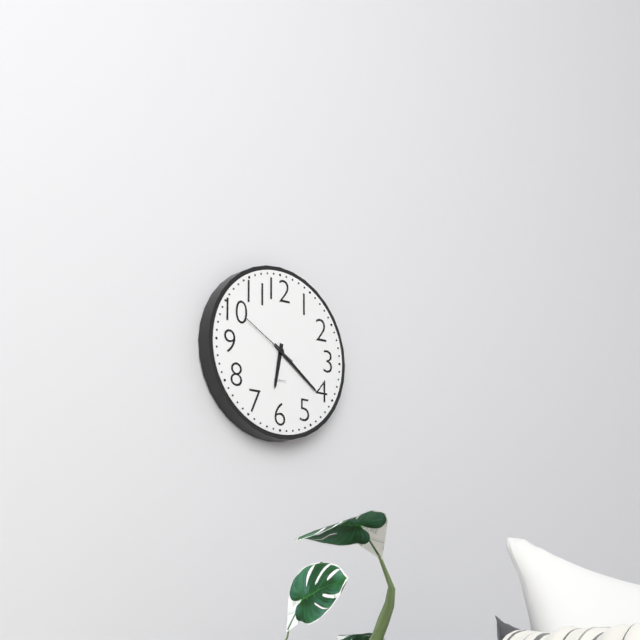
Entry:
6 h 21 min 50 s
